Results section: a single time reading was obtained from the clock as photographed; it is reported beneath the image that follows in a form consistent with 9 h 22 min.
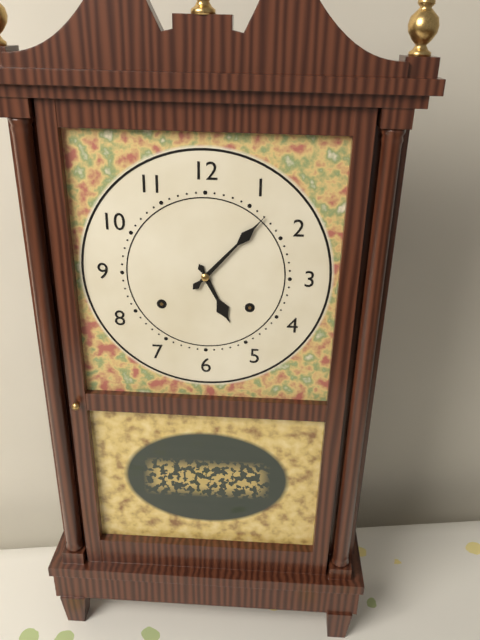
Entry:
5 h 07 min
